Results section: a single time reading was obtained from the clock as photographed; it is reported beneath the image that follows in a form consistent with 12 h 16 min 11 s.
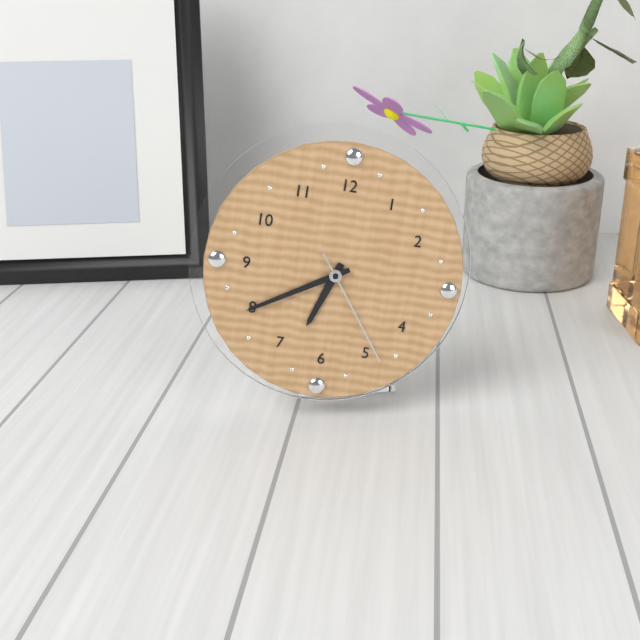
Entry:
6 h 40 min 24 s
